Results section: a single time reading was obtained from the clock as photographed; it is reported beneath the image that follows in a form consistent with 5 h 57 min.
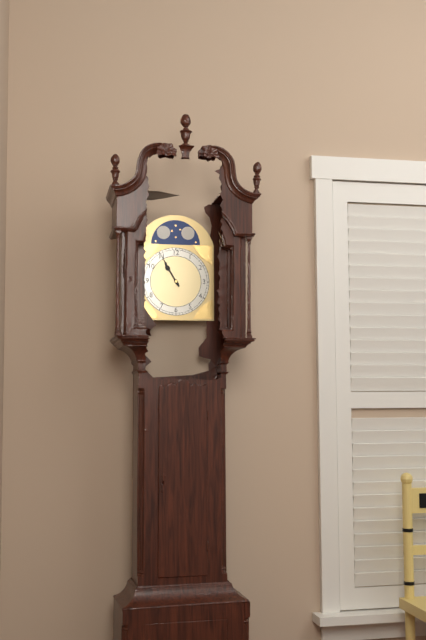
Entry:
10 h 55 min
